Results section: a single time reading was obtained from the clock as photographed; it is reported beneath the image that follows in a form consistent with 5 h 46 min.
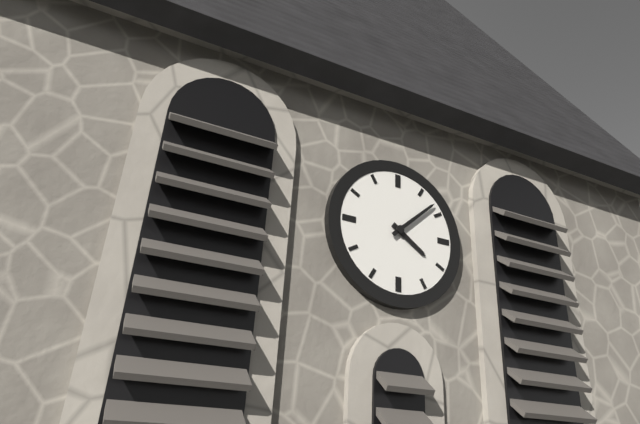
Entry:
4 h 08 min
